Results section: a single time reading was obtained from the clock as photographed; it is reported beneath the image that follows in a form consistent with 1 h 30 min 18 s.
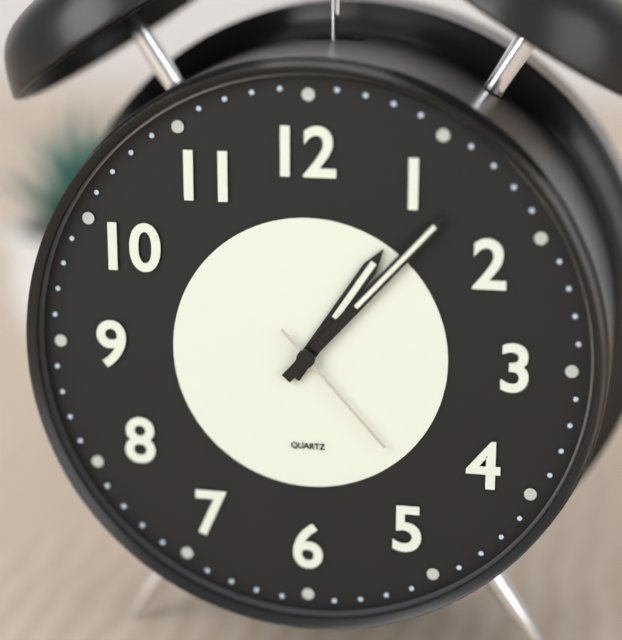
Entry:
1 h 07 min 23 s
